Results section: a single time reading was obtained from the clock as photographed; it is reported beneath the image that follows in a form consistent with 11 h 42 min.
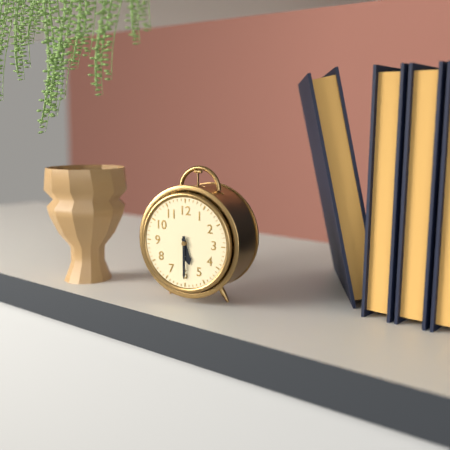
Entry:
5 h 30 min
